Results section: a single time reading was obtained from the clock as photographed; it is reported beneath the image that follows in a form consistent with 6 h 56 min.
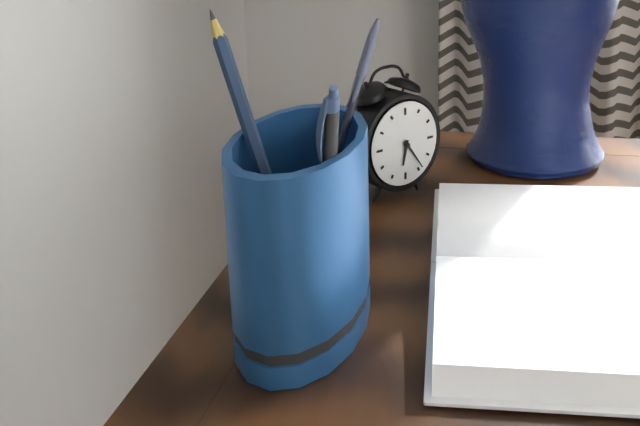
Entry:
6 h 24 min
